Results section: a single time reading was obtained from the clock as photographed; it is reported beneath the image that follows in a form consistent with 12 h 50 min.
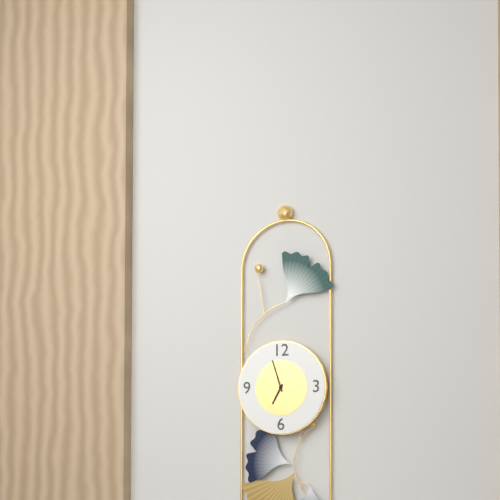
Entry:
6 h 57 min
